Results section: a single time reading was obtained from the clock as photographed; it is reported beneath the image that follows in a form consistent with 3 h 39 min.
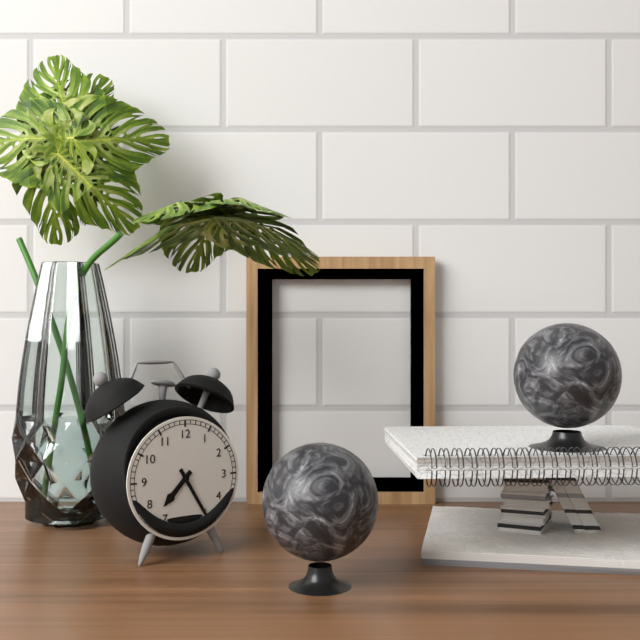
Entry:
7 h 25 min
